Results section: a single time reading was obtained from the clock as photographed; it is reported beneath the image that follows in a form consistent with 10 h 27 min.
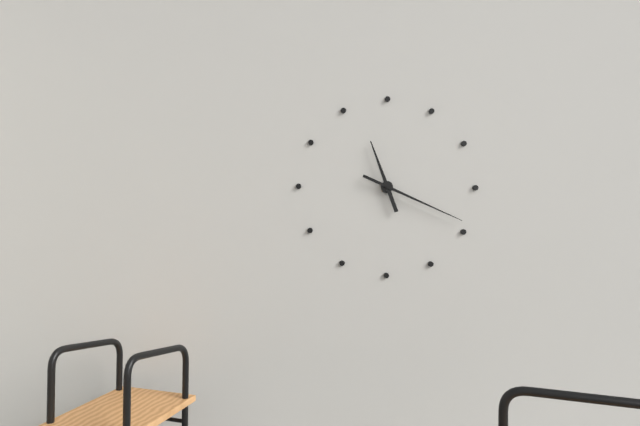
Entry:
11 h 19 min
